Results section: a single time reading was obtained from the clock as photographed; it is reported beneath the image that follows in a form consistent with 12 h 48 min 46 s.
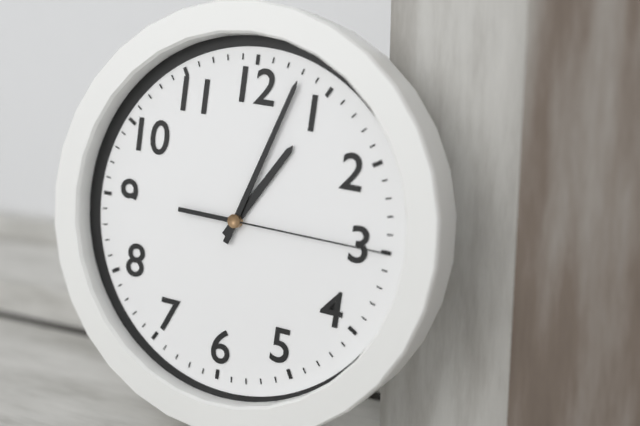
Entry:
1 h 03 min 15 s
